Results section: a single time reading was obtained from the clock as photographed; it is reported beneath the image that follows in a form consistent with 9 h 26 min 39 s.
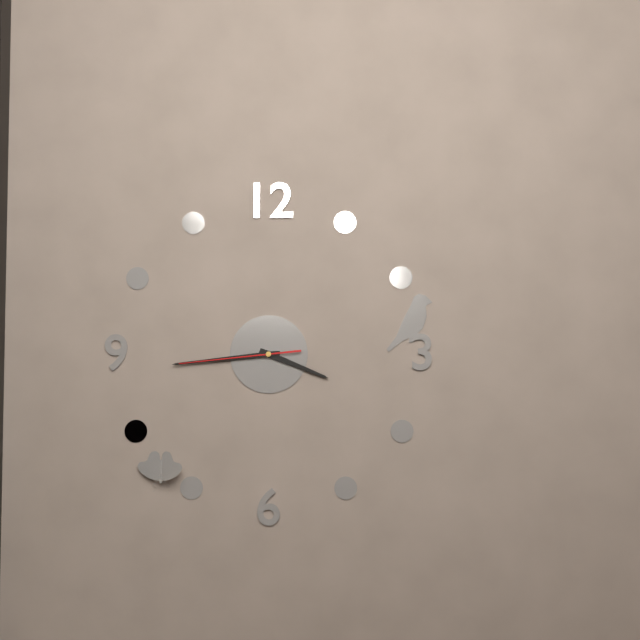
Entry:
3 h 44 min 44 s
